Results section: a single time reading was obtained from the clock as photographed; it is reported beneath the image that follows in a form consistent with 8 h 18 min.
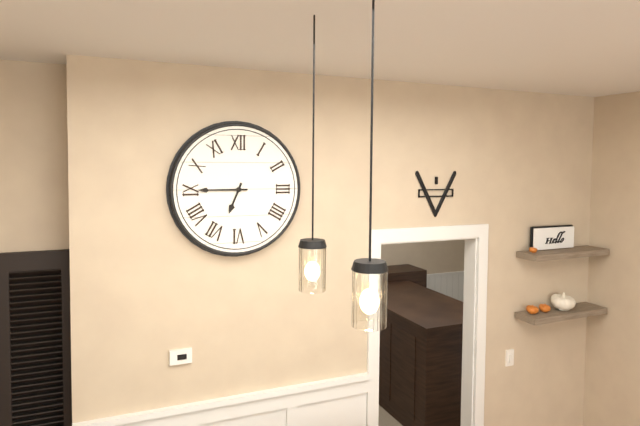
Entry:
6 h 45 min
